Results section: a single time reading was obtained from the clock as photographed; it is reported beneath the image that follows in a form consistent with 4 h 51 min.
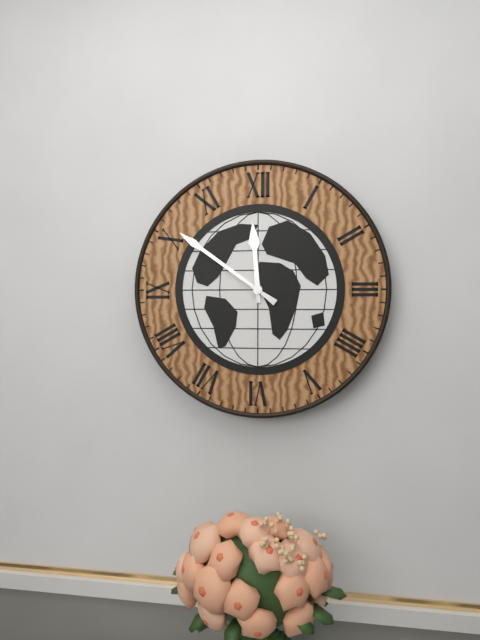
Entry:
11 h 51 min
